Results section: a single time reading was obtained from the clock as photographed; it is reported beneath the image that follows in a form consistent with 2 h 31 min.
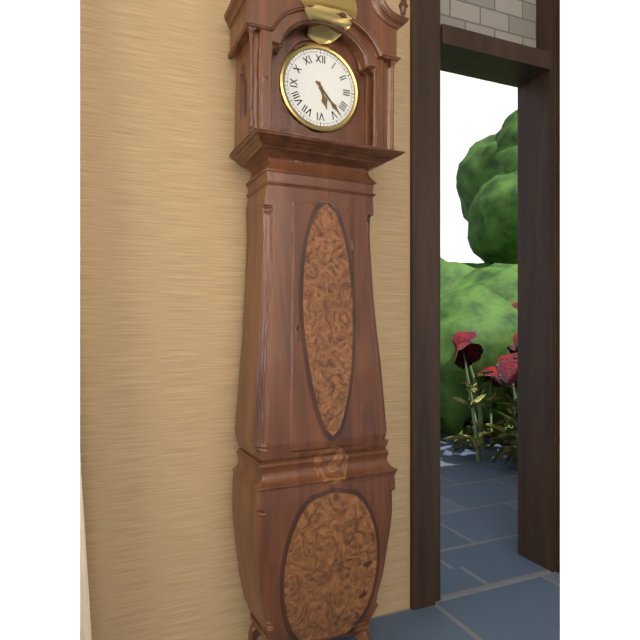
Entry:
5 h 23 min
